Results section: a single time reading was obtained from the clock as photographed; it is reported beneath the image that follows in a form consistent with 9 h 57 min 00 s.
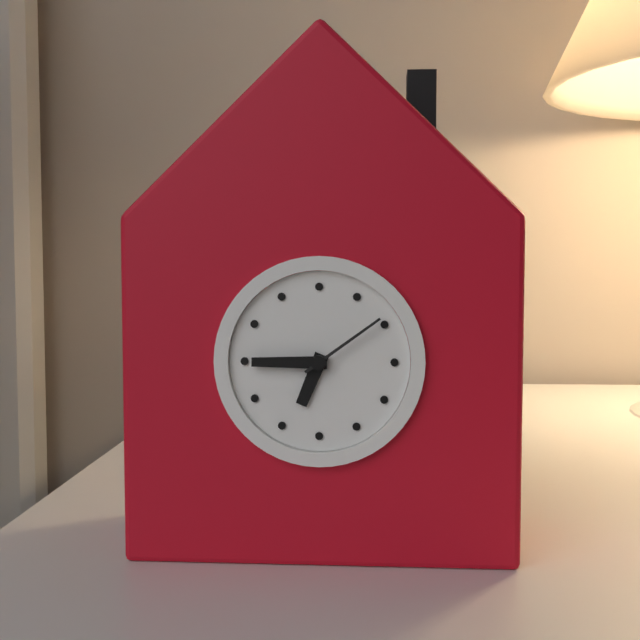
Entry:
6 h 45 min 09 s
